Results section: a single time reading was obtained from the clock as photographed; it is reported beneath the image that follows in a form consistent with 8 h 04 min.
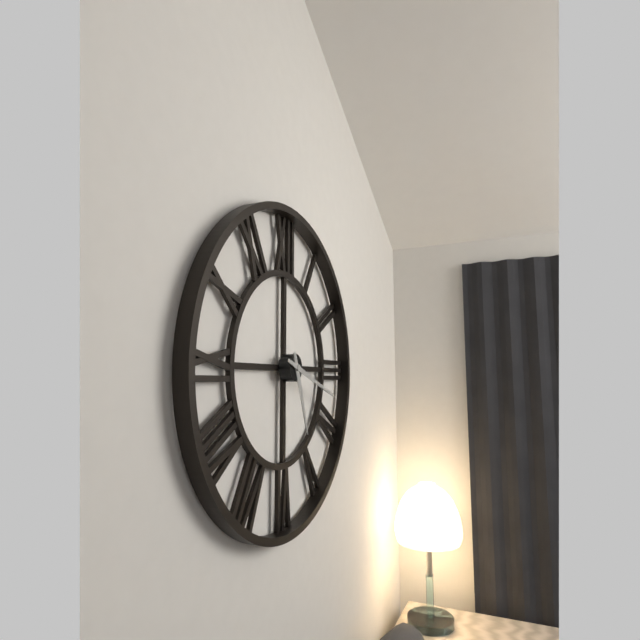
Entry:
5 h 18 min
